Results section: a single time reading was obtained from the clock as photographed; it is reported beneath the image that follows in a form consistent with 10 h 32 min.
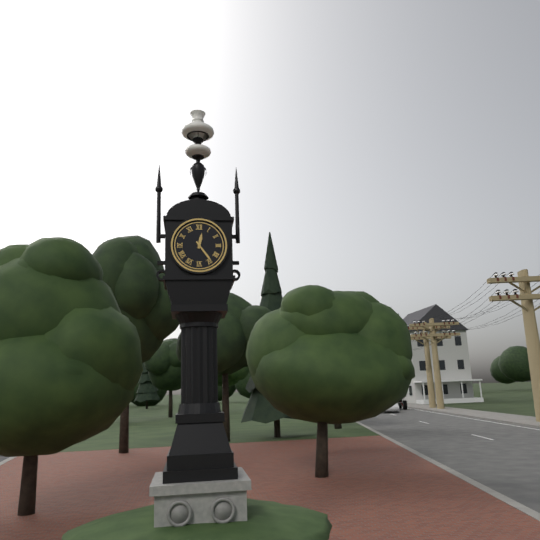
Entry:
12 h 24 min
